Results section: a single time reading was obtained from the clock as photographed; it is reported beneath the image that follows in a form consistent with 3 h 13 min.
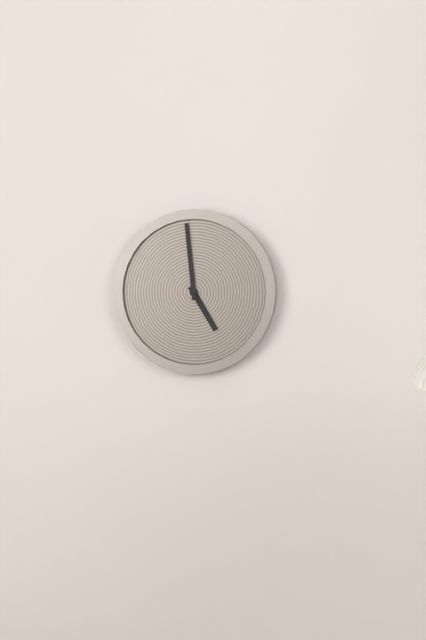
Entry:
4 h 59 min
